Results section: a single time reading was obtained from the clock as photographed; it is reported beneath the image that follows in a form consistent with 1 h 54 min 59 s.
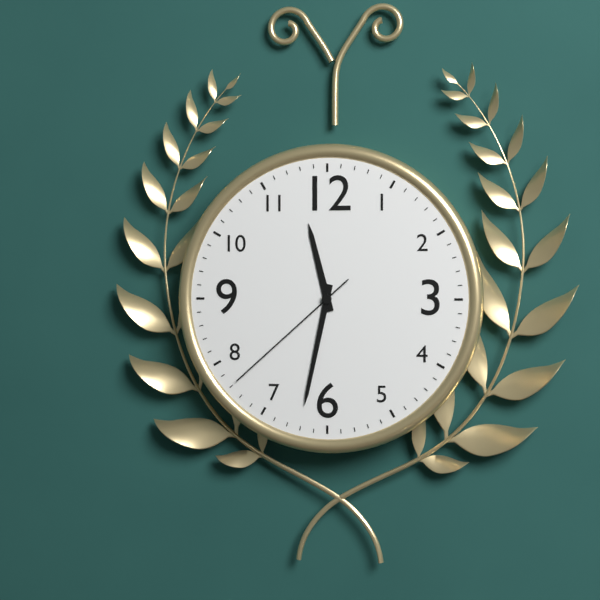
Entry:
11 h 32 min 38 s
